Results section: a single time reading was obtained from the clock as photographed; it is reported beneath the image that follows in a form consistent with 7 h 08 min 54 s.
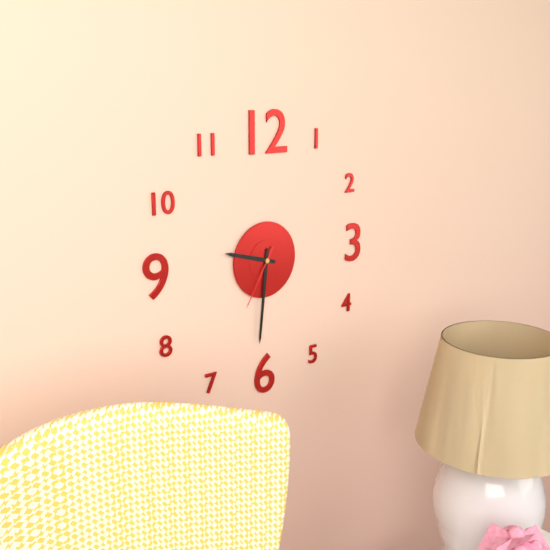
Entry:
9 h 31 min 35 s
